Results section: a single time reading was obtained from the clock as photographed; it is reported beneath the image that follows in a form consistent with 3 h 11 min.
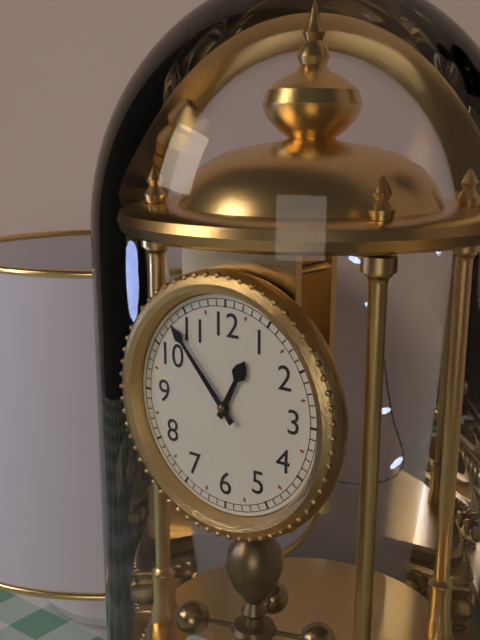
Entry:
12 h 53 min
